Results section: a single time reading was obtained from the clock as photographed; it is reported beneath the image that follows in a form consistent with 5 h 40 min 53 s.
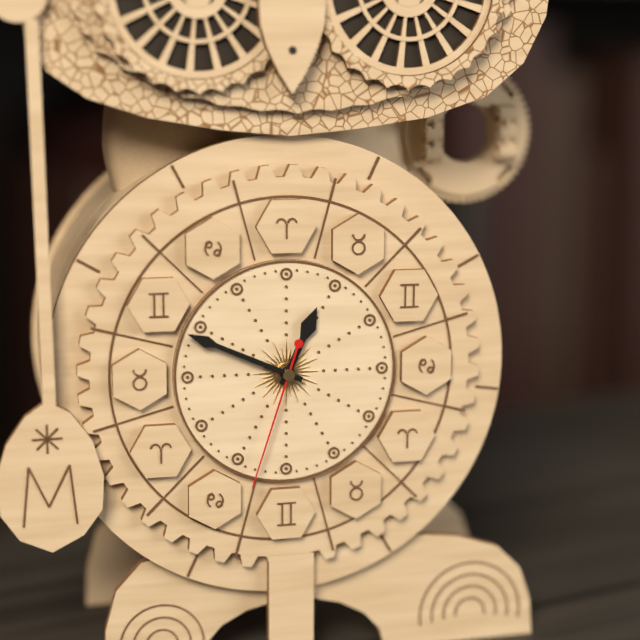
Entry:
12 h 49 min 33 s
